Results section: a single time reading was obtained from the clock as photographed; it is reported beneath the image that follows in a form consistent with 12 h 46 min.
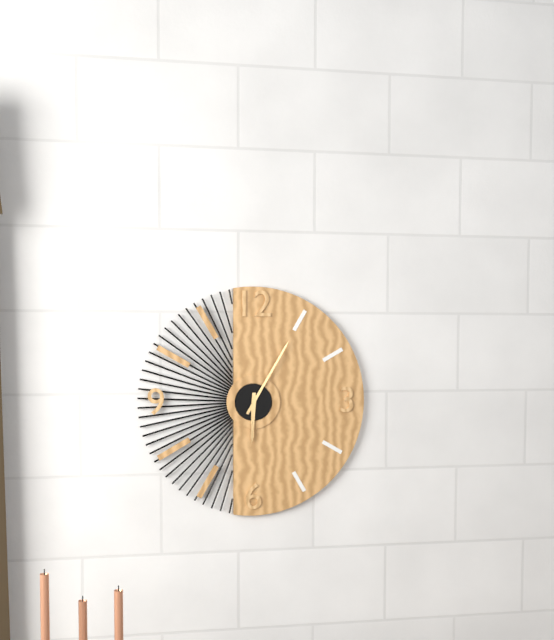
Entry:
6 h 05 min
